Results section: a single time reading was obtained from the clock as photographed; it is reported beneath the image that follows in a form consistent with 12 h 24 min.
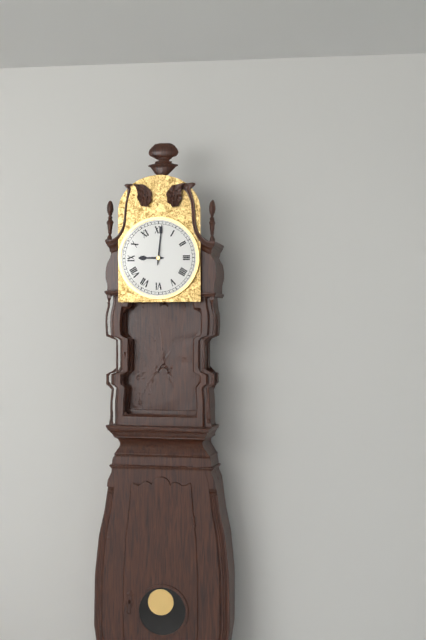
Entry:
9 h 01 min
